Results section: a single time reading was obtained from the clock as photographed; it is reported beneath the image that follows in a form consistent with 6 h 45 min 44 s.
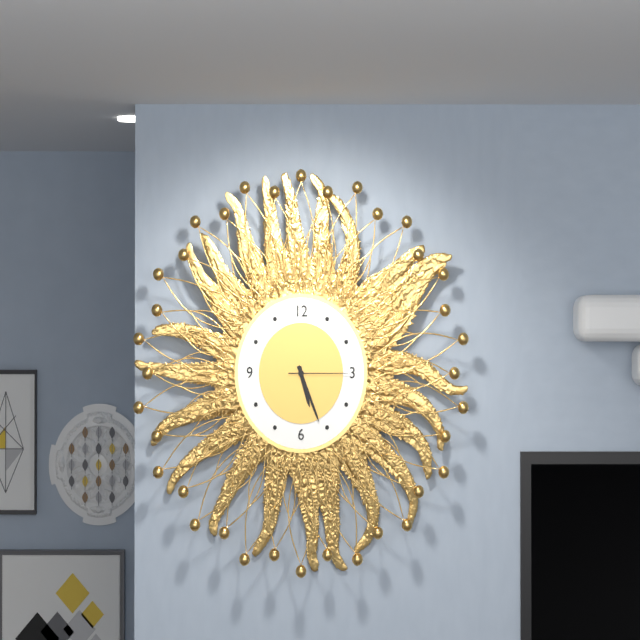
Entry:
5 h 26 min 15 s
